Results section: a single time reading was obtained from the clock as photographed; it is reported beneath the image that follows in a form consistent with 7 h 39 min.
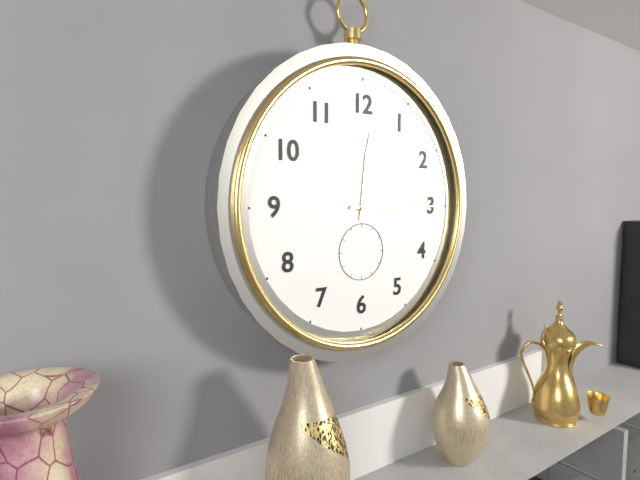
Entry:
12 h 15 min
